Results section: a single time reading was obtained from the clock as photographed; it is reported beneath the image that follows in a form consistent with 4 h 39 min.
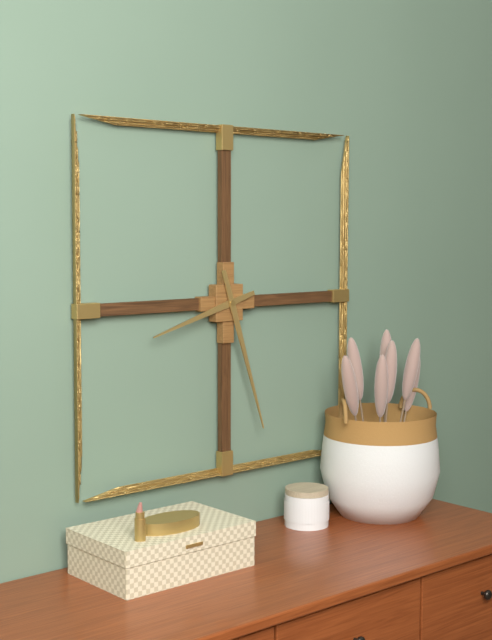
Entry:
8 h 27 min
